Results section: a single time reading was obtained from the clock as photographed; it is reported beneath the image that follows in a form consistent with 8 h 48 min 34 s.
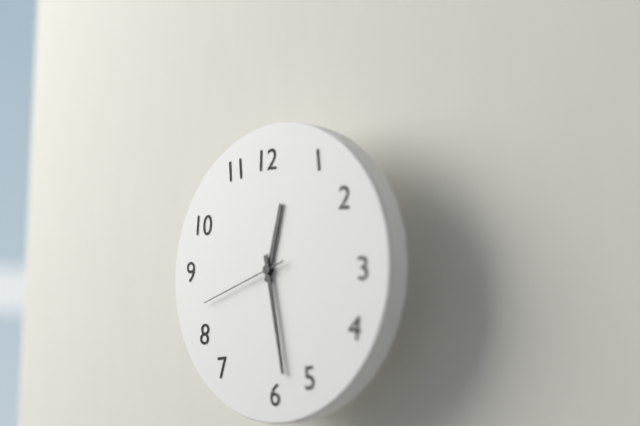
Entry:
12 h 28 min 42 s
